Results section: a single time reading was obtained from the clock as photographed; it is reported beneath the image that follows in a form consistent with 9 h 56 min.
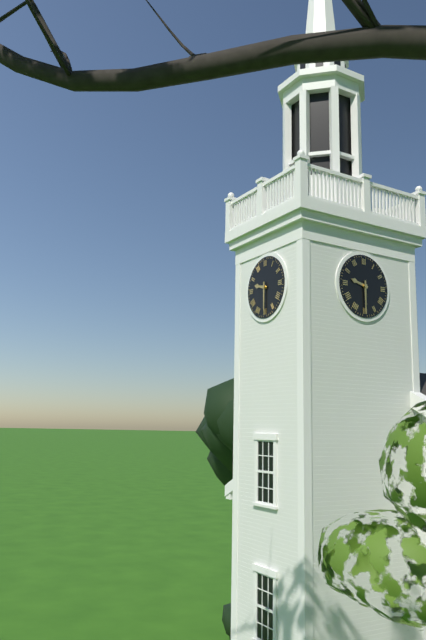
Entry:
9 h 30 min
